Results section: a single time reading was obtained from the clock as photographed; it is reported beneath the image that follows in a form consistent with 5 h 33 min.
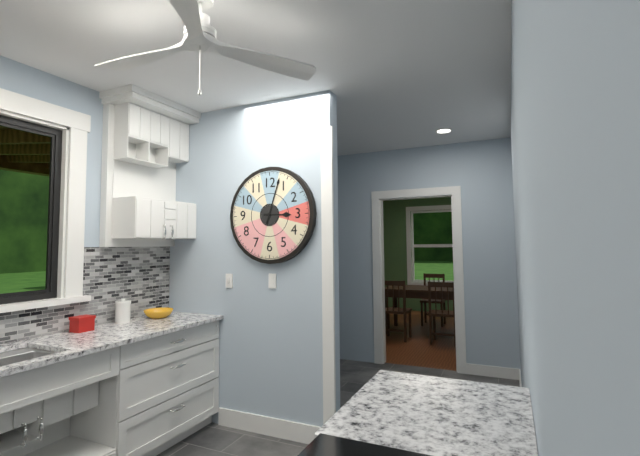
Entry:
3 h 03 min
